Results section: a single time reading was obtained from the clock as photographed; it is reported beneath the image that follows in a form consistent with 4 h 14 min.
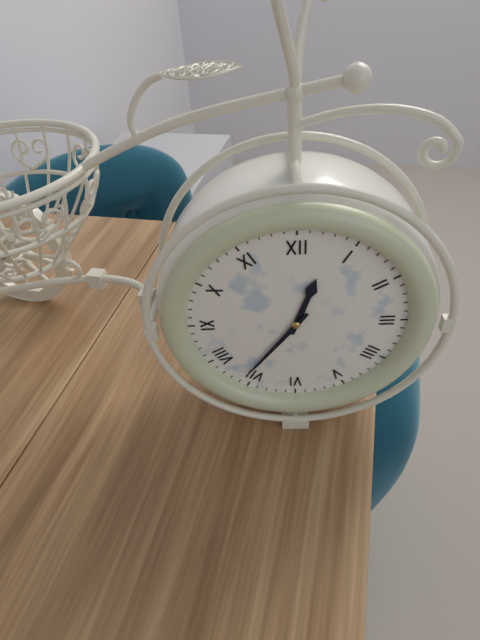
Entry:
12 h 36 min
